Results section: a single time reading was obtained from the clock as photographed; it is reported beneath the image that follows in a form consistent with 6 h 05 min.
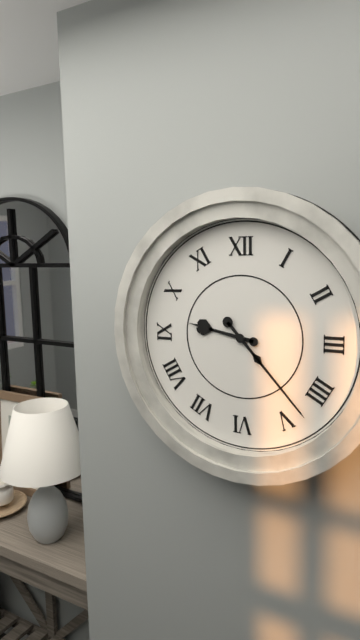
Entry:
9 h 23 min
